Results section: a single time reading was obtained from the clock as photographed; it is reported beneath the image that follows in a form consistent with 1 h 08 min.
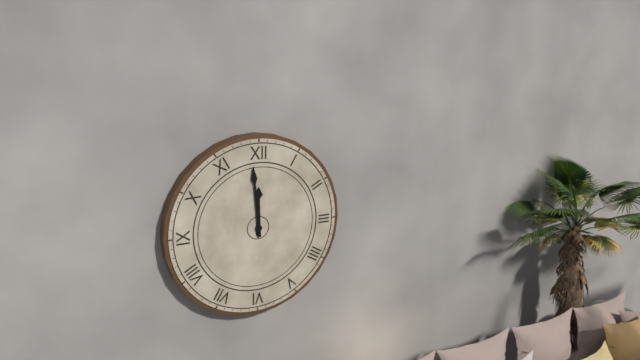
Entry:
11 h 59 min
